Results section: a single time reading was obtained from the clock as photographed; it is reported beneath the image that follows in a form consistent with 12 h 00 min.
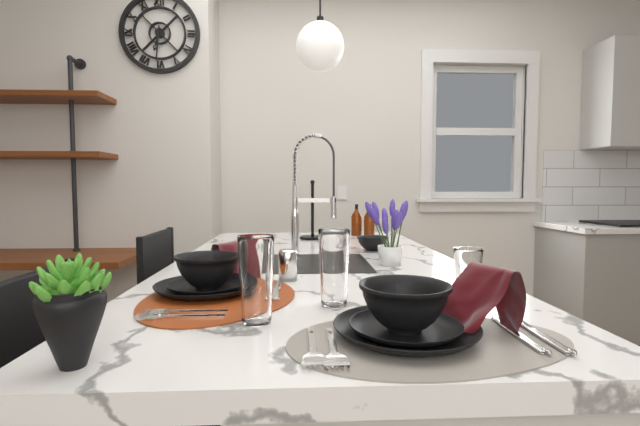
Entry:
6 h 31 min
